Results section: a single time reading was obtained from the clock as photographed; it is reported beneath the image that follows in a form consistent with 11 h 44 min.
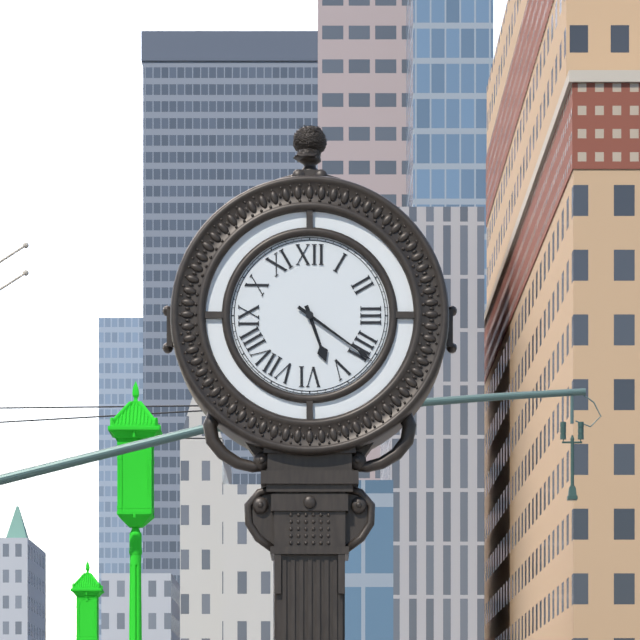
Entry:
5 h 21 min
